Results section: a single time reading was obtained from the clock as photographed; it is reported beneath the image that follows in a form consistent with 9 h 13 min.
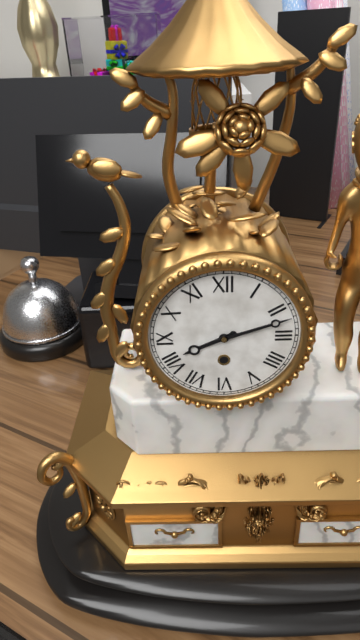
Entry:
8 h 12 min
